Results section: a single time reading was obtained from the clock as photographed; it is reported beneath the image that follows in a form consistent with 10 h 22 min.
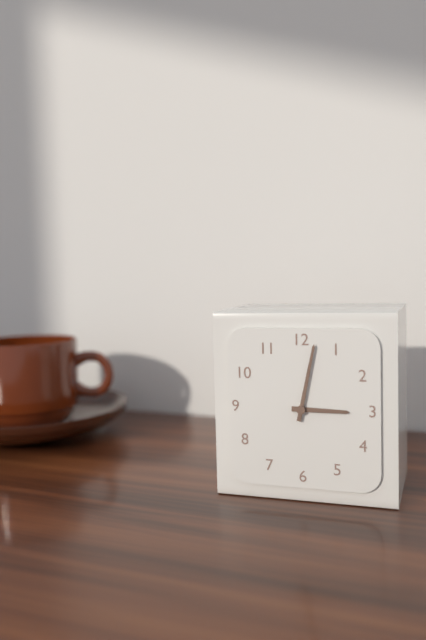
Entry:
3 h 02 min
